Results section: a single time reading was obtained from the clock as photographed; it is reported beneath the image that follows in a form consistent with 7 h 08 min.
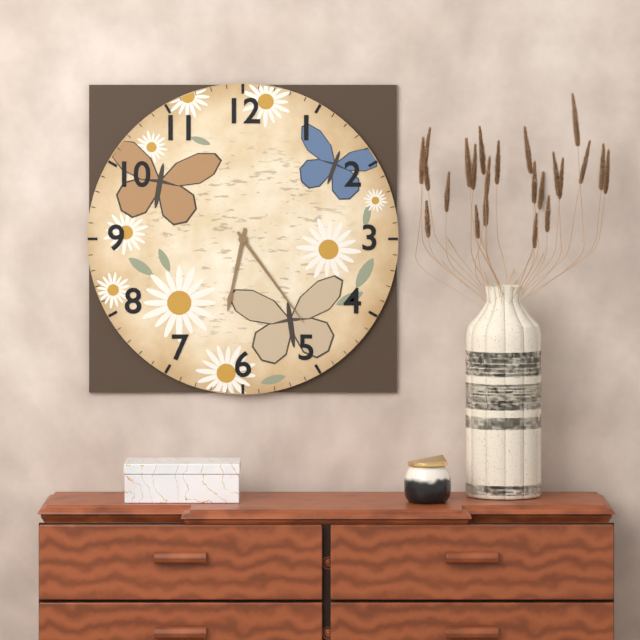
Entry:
6 h 24 min
